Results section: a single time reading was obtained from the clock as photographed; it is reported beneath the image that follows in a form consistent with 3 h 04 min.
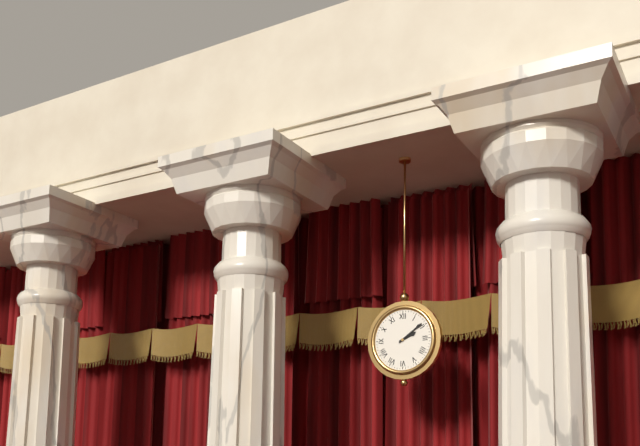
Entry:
2 h 09 min
